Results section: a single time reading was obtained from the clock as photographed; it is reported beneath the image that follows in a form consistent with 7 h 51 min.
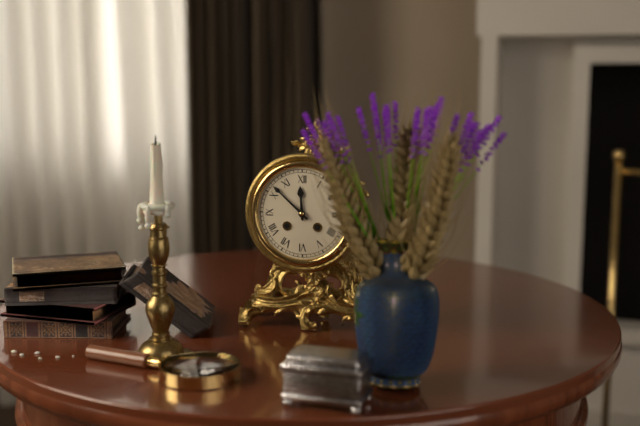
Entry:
11 h 52 min
